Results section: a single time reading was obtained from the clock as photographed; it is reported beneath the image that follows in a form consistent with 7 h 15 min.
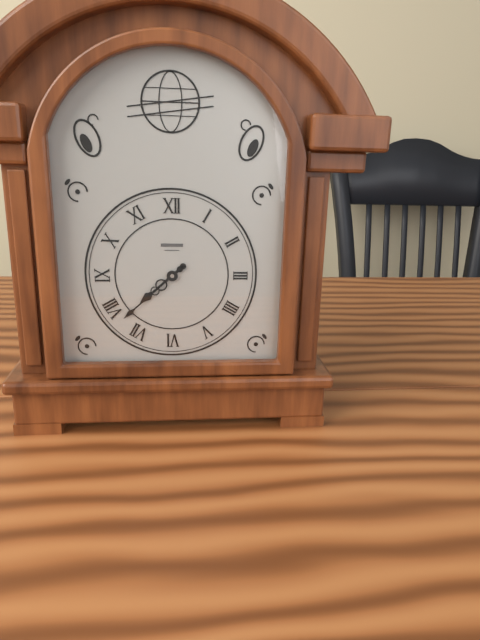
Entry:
7 h 38 min
